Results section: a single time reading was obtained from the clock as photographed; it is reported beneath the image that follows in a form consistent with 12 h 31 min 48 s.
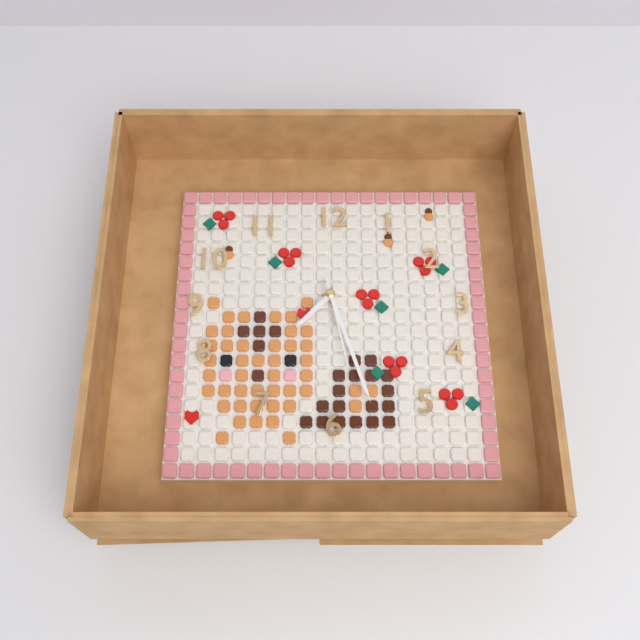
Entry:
7 h 27 min 28 s
